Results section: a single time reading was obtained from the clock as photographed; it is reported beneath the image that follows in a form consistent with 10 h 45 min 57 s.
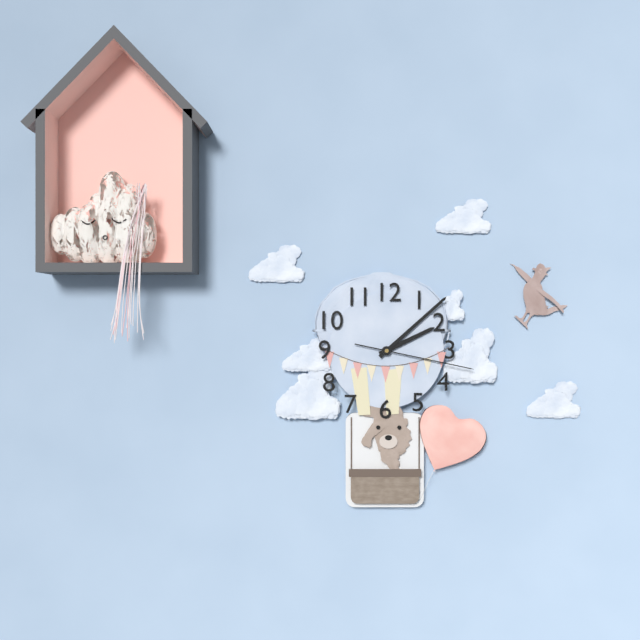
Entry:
2 h 08 min 17 s
